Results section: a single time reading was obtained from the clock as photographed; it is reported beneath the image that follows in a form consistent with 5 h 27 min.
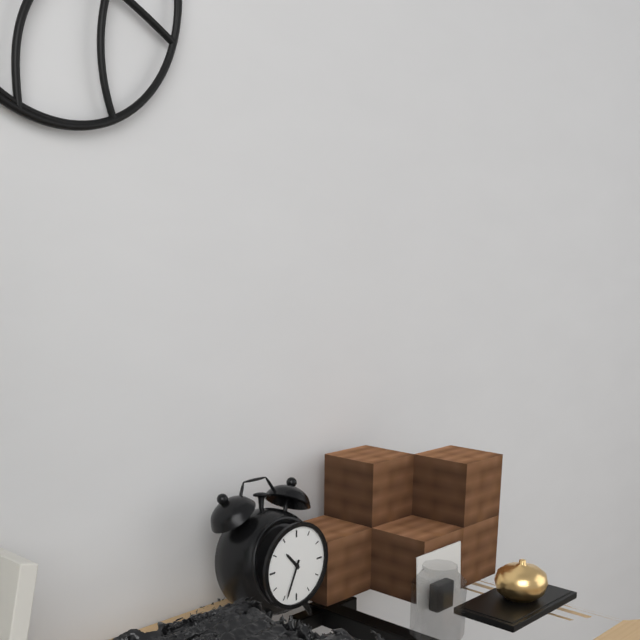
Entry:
10 h 34 min
